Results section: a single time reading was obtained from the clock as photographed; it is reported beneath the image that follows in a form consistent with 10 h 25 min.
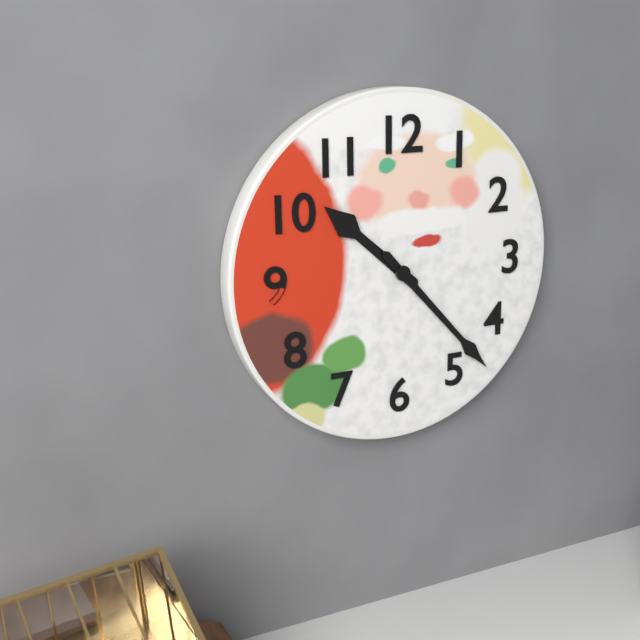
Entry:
10 h 23 min
